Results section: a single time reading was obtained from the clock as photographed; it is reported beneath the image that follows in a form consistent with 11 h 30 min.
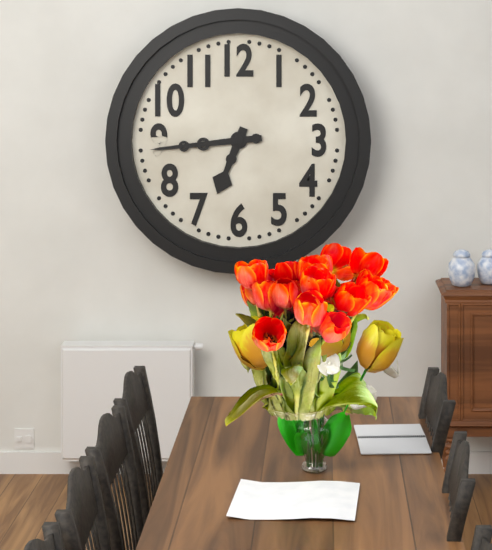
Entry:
6 h 44 min
